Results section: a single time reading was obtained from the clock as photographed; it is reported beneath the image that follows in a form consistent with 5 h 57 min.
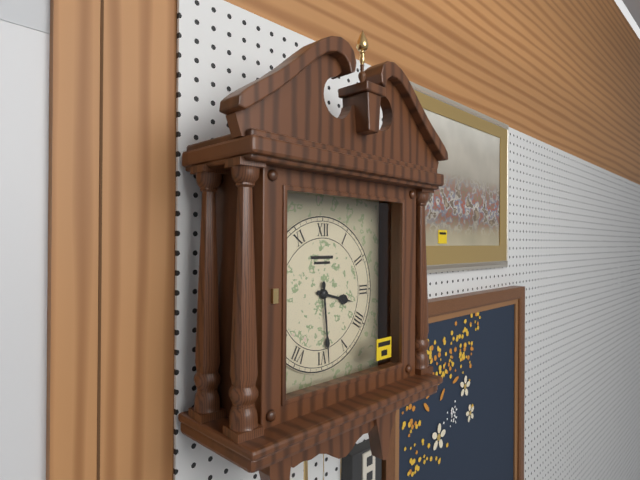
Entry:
3 h 29 min
